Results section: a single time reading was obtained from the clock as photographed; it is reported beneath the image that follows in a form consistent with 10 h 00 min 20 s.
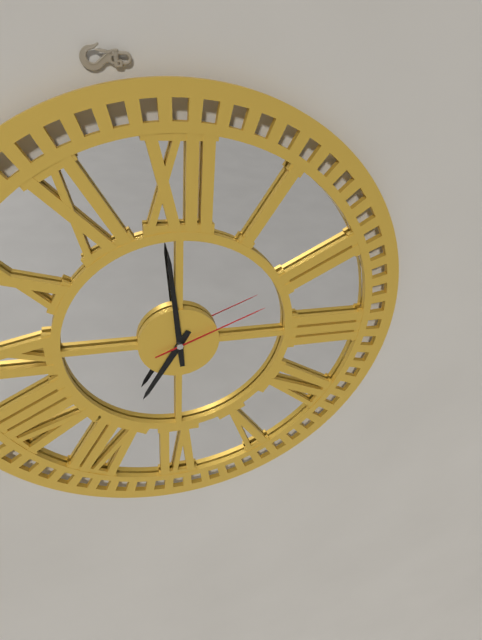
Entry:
6 h 59 min 11 s
